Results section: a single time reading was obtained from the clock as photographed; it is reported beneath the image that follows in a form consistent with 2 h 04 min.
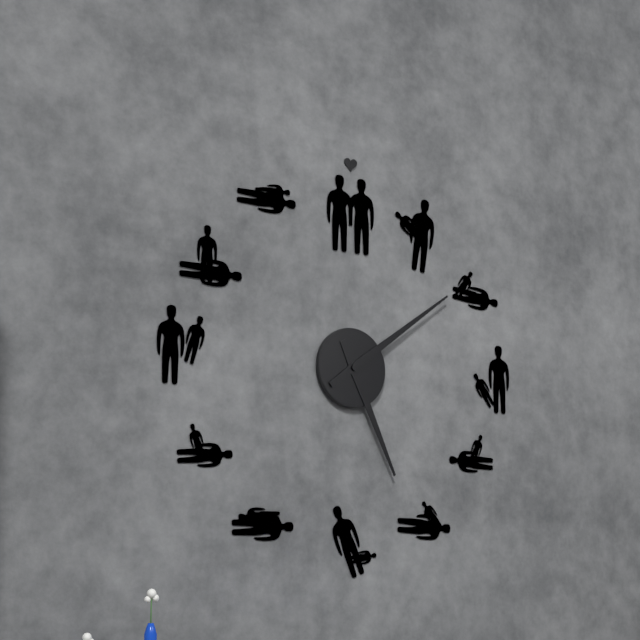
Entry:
5 h 09 min
